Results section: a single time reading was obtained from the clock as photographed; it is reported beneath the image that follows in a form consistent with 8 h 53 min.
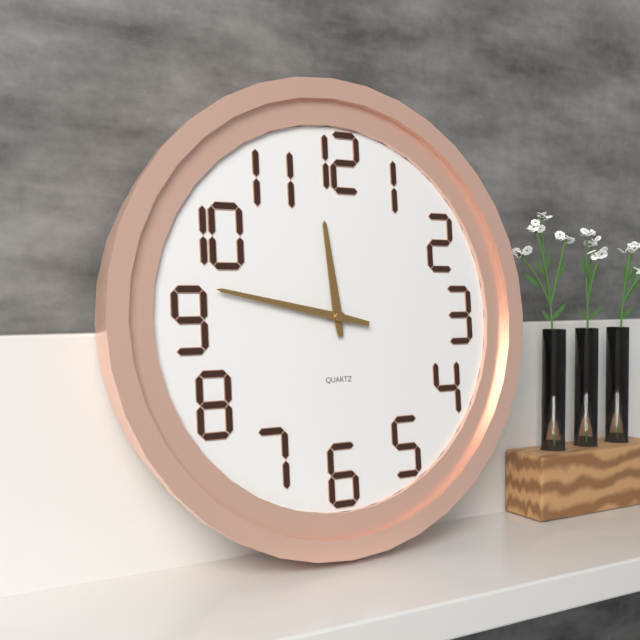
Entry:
11 h 47 min
